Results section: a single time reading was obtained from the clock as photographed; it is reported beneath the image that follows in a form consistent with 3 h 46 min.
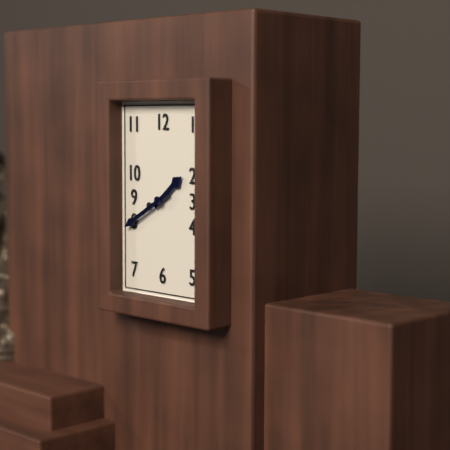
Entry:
1 h 40 min
